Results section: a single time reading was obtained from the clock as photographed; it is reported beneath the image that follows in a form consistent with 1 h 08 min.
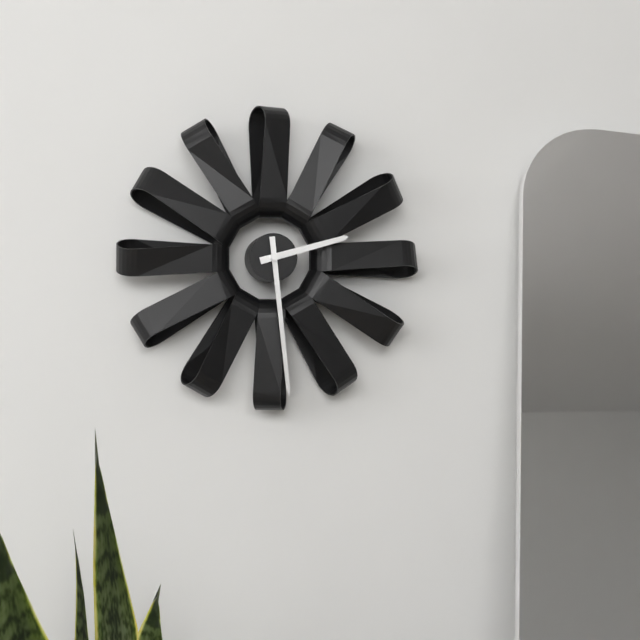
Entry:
2 h 29 min
